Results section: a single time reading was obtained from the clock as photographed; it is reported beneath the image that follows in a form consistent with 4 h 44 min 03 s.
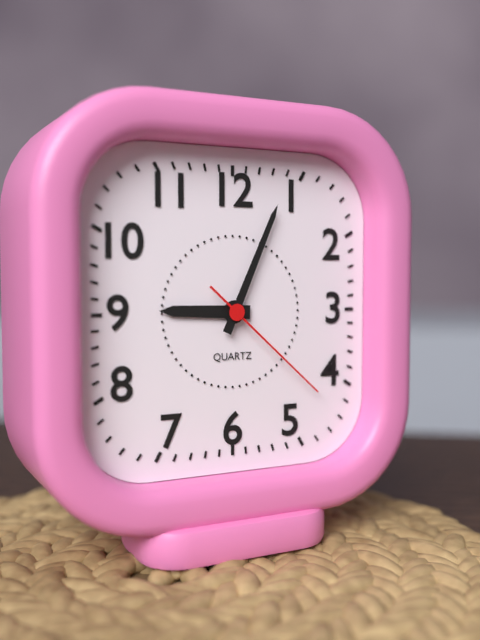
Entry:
9 h 04 min 22 s
